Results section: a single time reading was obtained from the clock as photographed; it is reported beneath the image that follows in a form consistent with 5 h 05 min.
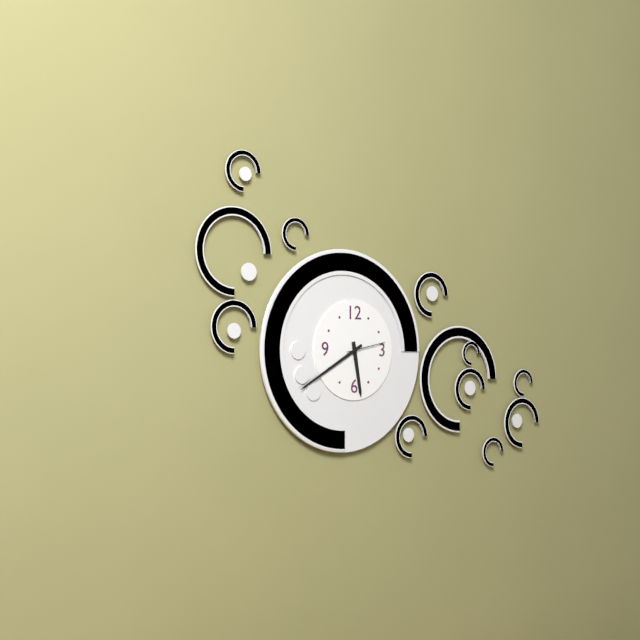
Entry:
5 h 40 min
